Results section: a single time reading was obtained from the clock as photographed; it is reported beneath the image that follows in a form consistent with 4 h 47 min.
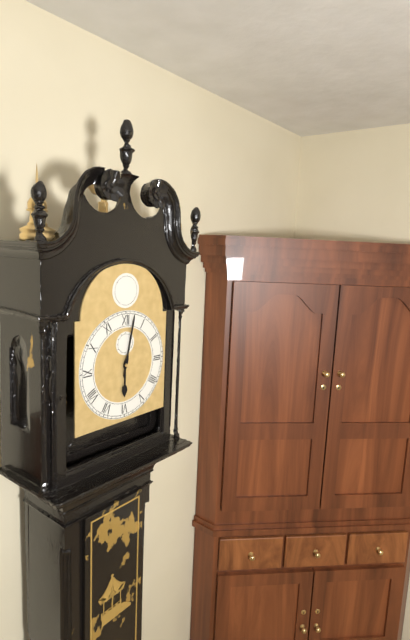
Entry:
6 h 02 min
